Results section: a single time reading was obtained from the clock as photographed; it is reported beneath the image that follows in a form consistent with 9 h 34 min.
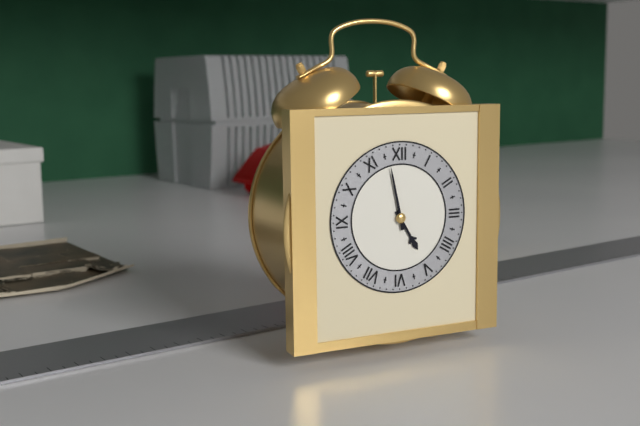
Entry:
4 h 58 min
